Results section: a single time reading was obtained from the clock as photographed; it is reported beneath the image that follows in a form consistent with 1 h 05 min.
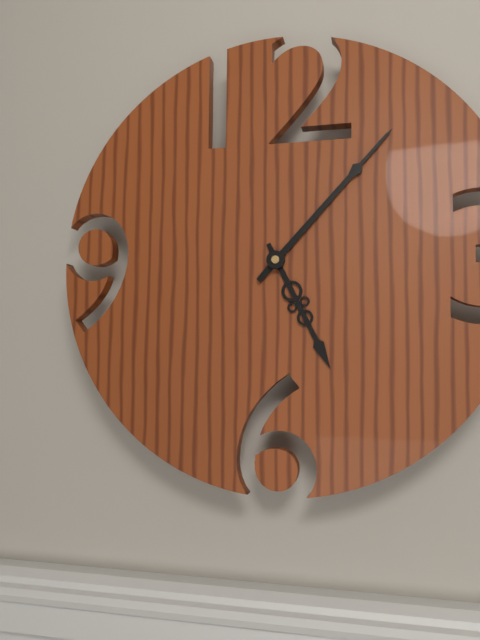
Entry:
5 h 07 min
